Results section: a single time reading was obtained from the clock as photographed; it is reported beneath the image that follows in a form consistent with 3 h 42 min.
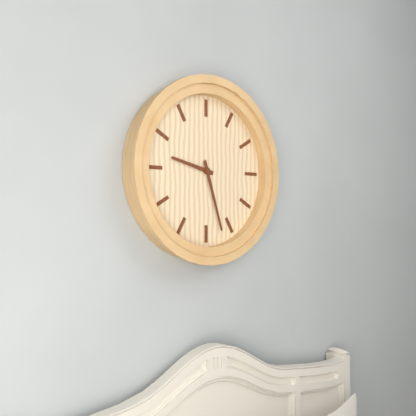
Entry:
9 h 27 min
